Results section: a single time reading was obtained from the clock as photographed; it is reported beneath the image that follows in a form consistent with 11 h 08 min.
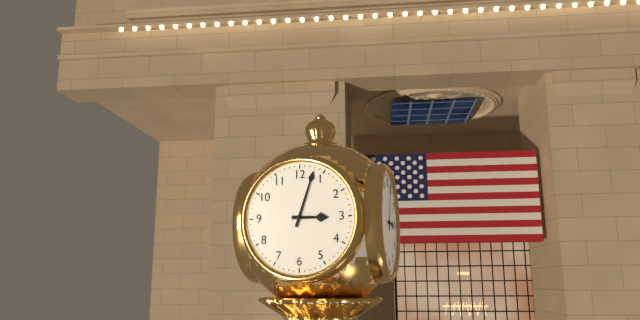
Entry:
3 h 03 min
